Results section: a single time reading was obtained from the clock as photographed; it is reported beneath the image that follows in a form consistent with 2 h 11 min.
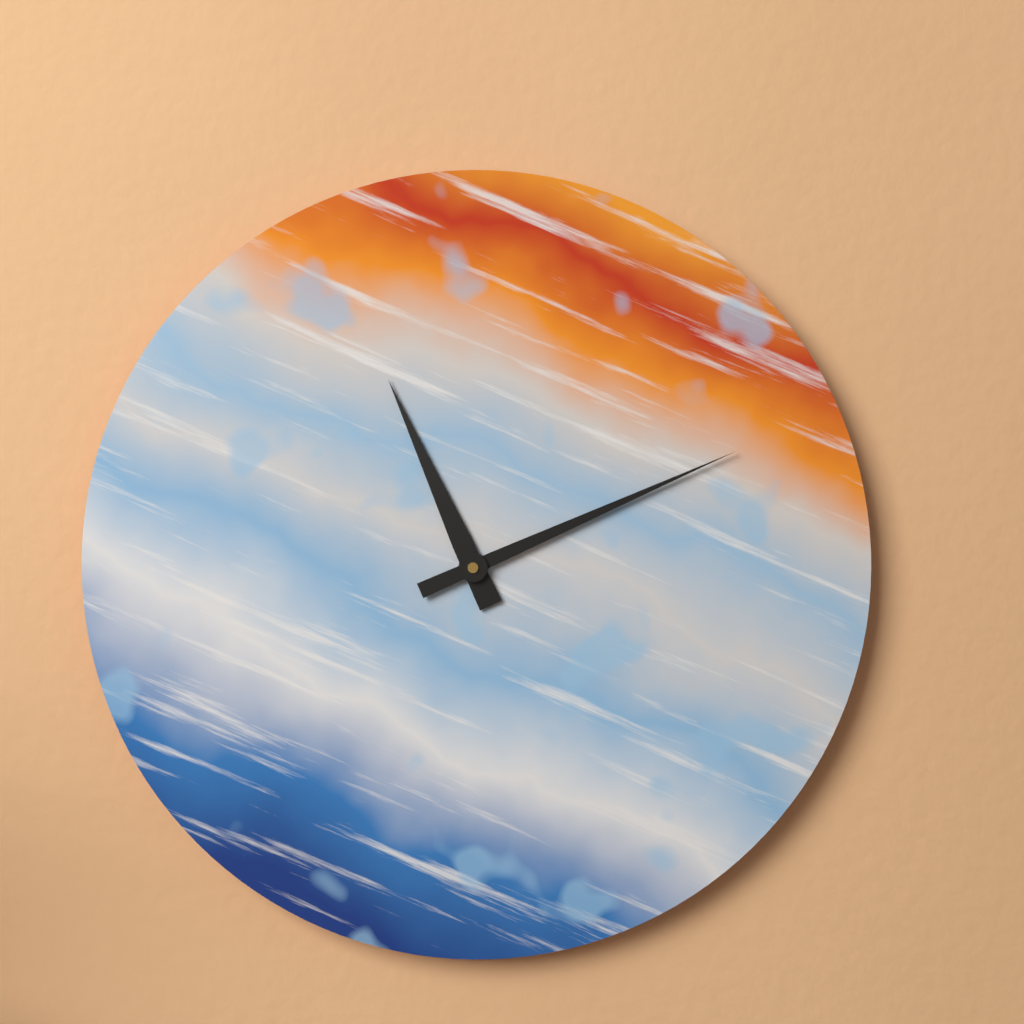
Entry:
11 h 11 min
